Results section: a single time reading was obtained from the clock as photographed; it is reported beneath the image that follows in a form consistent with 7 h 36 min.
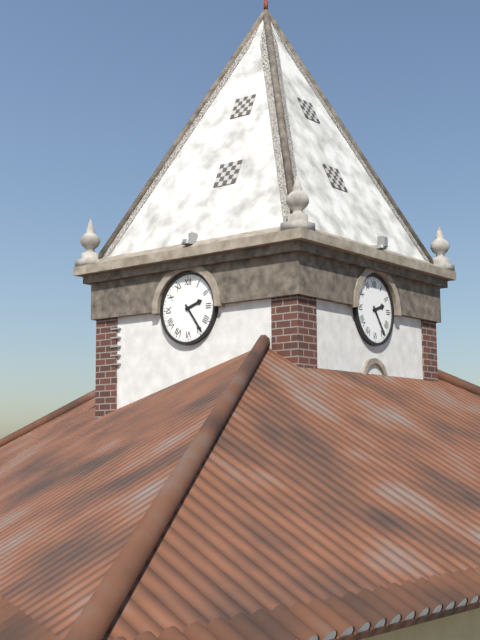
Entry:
2 h 24 min
